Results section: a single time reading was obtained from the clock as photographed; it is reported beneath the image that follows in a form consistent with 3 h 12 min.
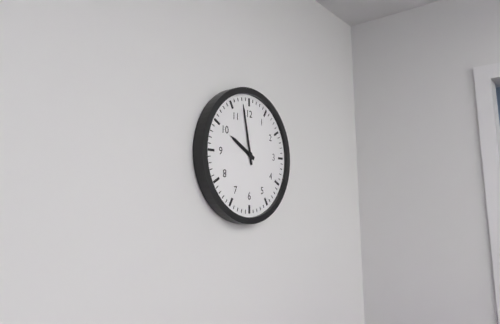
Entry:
9 h 58 min
